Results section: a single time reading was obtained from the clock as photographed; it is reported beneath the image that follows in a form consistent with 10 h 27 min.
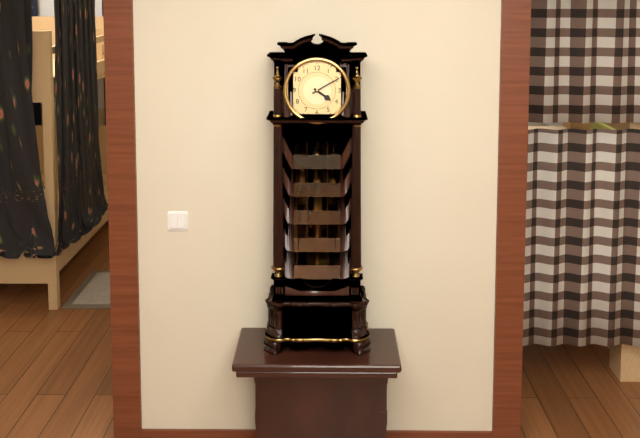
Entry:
4 h 10 min
